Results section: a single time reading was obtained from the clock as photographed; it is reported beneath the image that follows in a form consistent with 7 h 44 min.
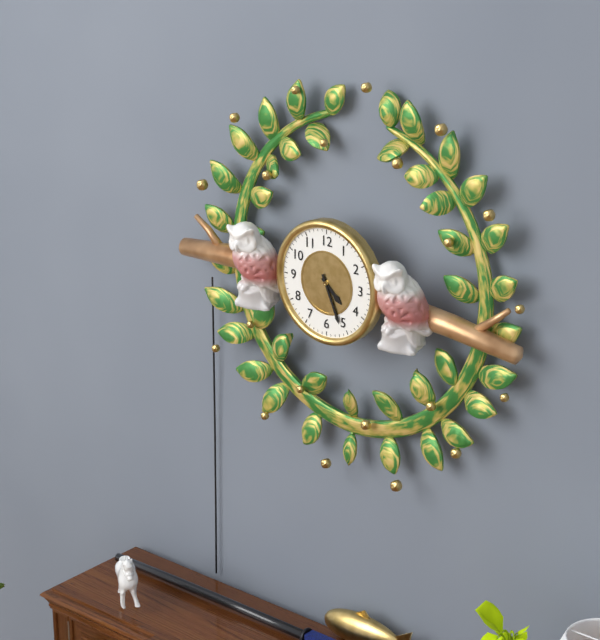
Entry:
4 h 26 min
